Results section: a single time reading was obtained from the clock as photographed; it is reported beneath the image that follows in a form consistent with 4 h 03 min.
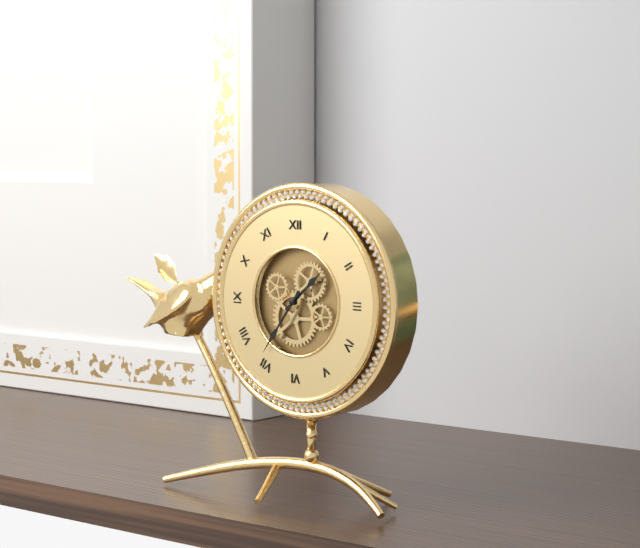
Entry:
1 h 36 min
